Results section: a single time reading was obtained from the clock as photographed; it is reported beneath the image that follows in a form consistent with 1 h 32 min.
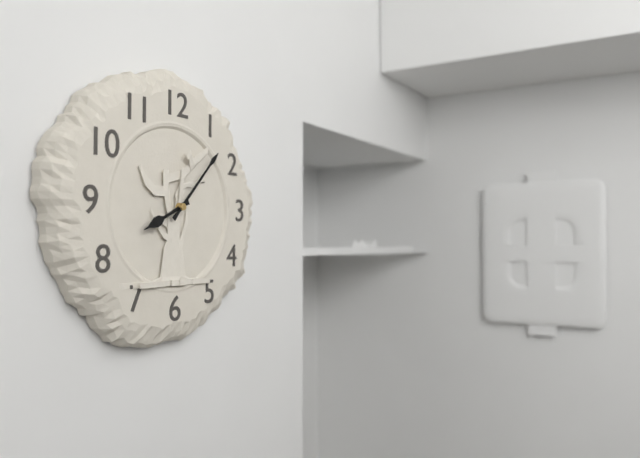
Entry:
8 h 07 min
